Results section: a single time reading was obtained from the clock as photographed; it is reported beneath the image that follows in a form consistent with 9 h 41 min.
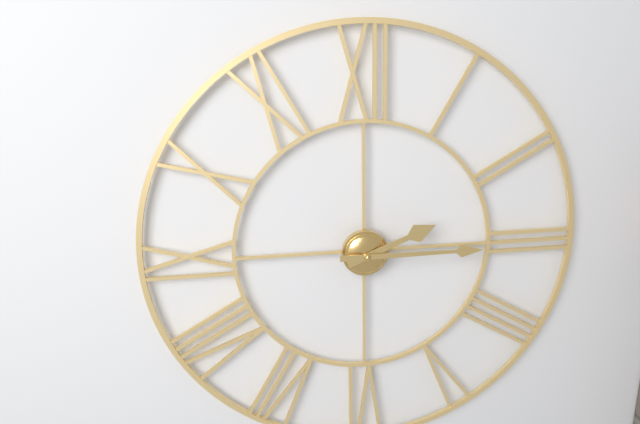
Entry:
2 h 15 min
